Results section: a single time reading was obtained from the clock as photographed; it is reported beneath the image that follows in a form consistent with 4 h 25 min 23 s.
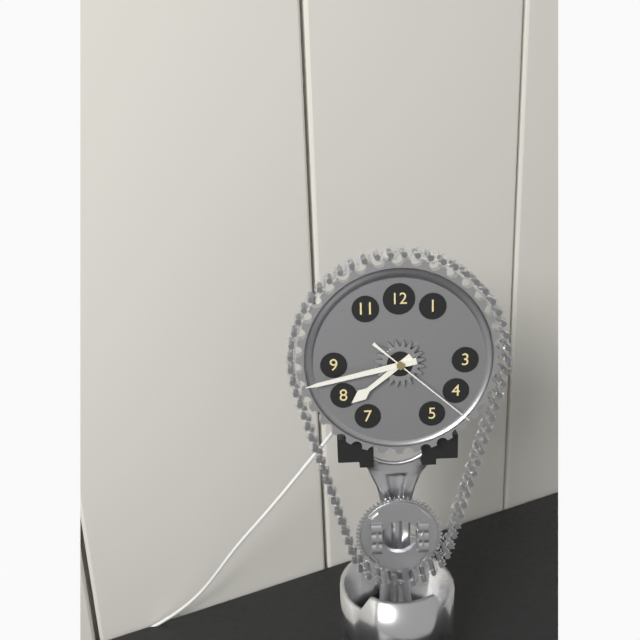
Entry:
7 h 43 min 22 s
